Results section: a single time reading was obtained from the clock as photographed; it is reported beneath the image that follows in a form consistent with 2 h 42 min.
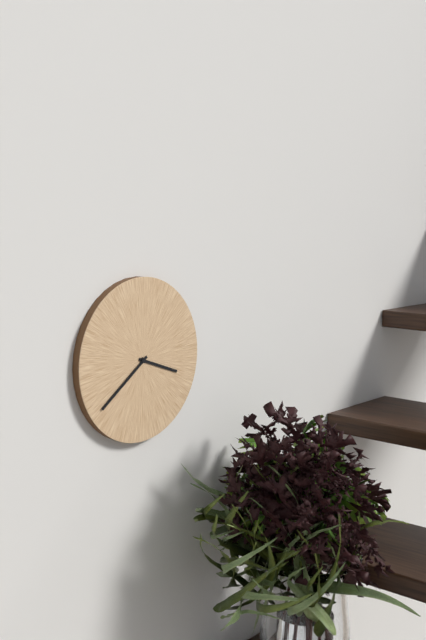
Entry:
3 h 39 min
